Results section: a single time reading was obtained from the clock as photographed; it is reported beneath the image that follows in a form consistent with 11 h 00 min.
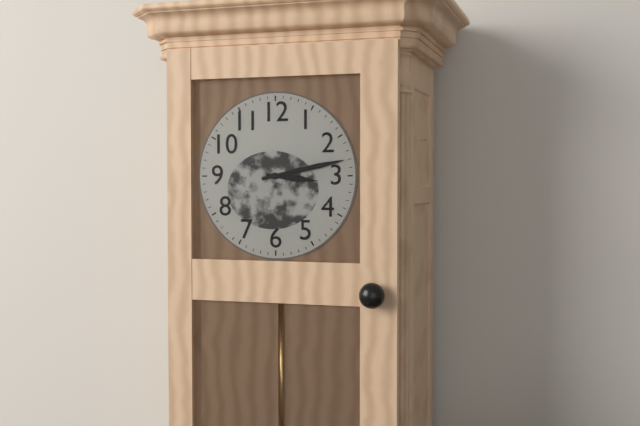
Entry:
3 h 13 min
